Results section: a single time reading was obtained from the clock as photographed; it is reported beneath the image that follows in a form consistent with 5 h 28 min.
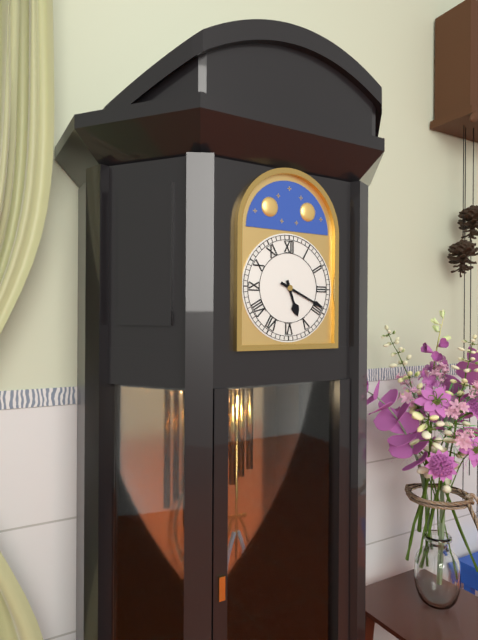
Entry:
5 h 19 min
